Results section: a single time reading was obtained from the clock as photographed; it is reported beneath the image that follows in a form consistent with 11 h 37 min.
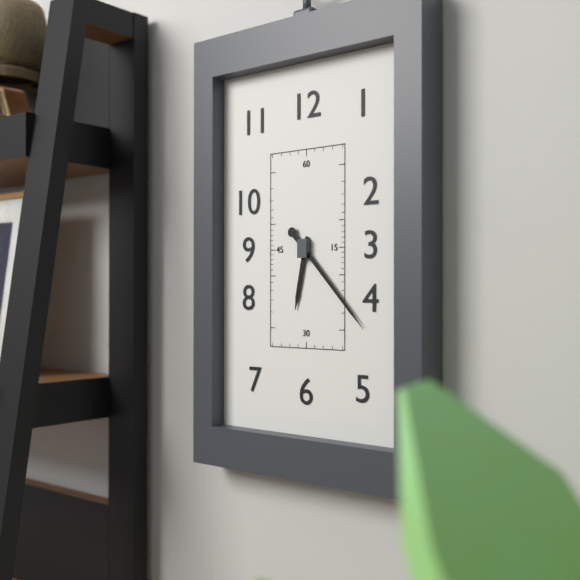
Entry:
6 h 23 min
